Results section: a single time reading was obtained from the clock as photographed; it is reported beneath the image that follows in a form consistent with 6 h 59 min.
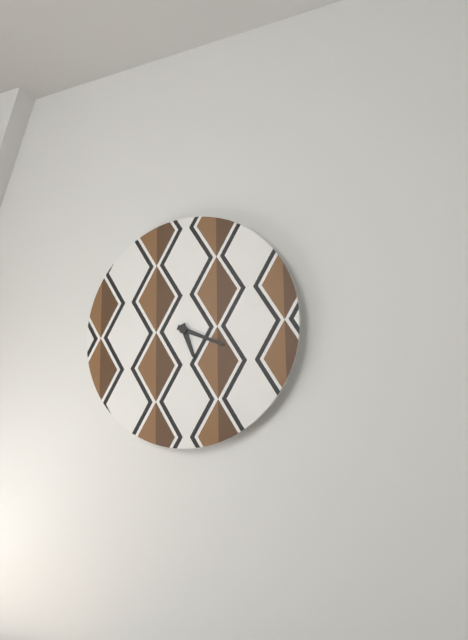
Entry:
5 h 19 min
